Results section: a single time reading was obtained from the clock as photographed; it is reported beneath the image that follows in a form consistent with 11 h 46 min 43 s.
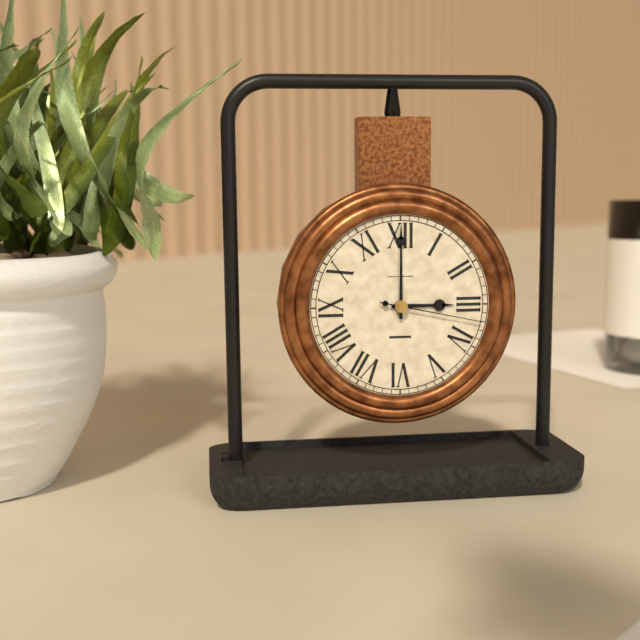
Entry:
3 h 00 min 17 s
